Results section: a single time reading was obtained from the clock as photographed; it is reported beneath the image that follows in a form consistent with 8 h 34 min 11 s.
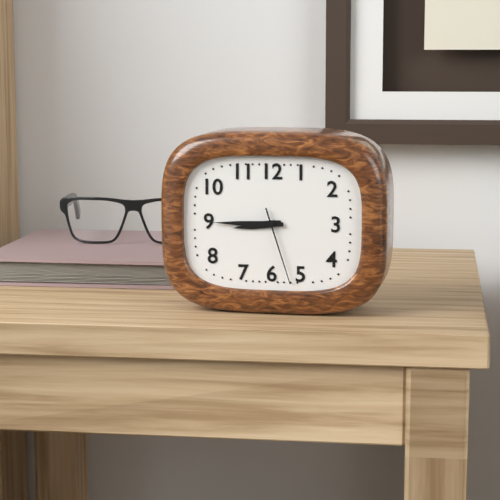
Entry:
8 h 45 min 27 s
